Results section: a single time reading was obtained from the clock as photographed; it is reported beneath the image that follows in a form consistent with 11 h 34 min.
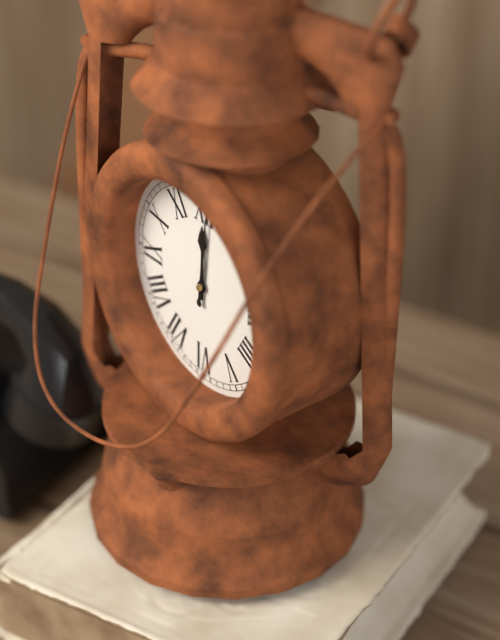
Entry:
12 h 01 min
